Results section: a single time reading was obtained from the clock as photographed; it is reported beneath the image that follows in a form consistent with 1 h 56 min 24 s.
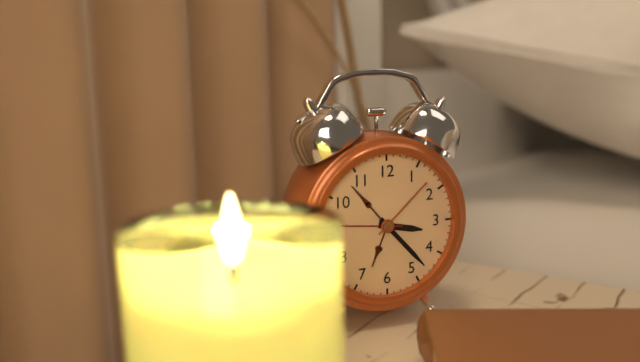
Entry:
3 h 23 min 46 s
